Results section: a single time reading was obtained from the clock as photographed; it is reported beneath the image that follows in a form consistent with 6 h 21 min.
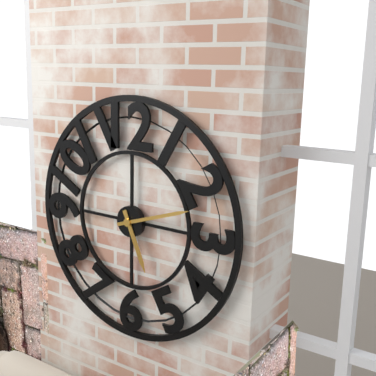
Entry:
5 h 12 min
